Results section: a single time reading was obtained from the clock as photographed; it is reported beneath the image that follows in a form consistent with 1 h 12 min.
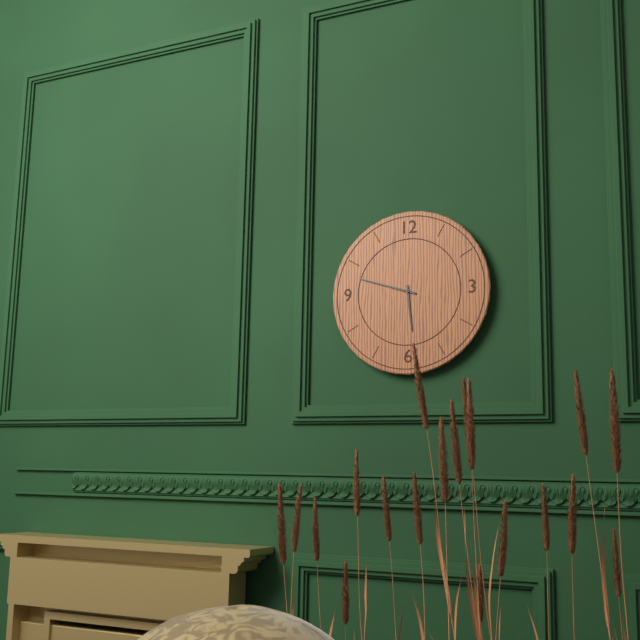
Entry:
5 h 48 min
